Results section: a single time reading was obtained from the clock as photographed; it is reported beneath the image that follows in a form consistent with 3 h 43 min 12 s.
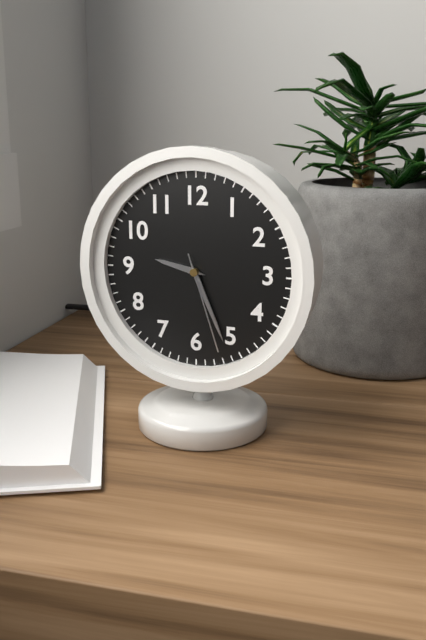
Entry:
9 h 26 min 27 s
